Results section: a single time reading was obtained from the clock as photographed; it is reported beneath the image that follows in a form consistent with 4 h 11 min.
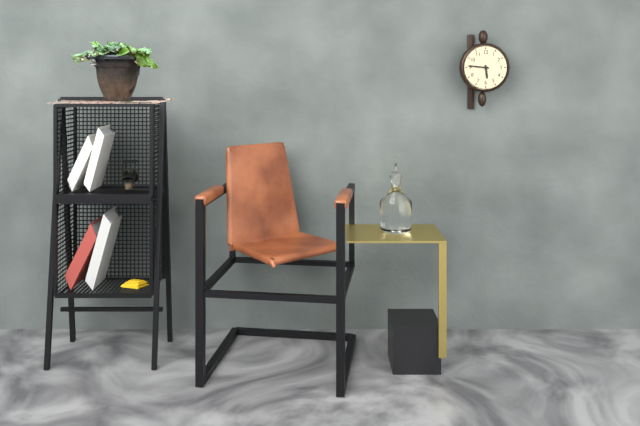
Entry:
5 h 46 min
